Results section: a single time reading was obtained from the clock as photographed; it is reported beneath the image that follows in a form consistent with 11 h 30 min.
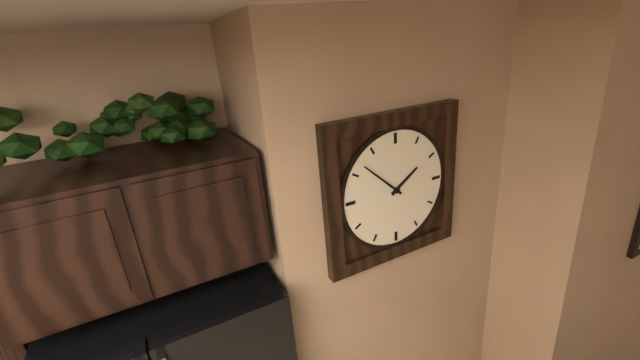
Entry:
1 h 52 min
